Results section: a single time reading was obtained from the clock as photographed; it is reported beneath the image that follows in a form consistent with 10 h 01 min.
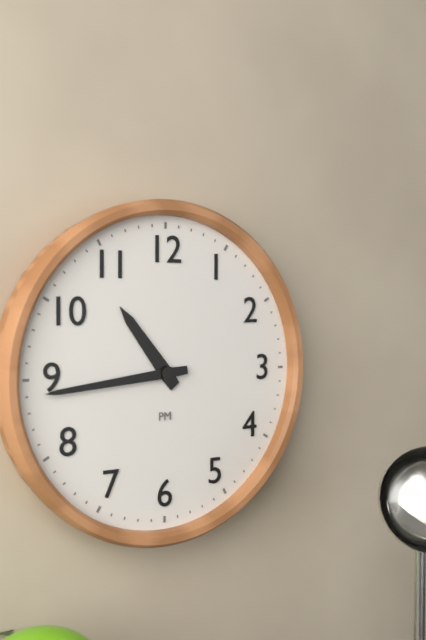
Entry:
10 h 44 min
